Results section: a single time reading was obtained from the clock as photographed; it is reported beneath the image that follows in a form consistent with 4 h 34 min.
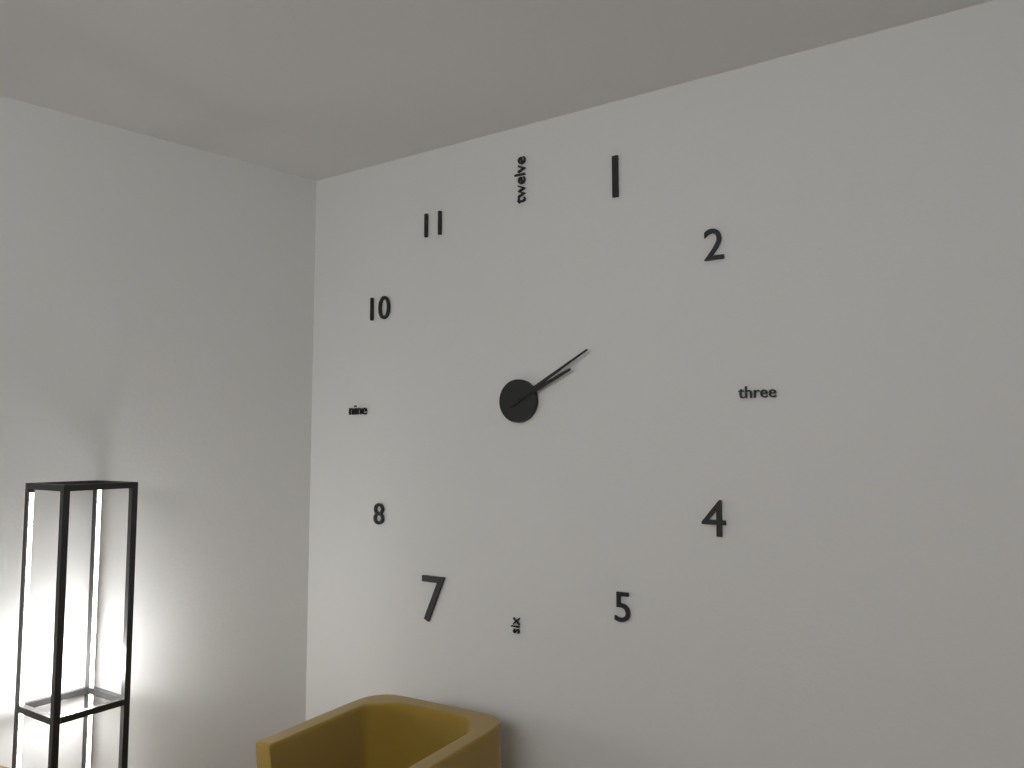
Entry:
2 h 10 min
